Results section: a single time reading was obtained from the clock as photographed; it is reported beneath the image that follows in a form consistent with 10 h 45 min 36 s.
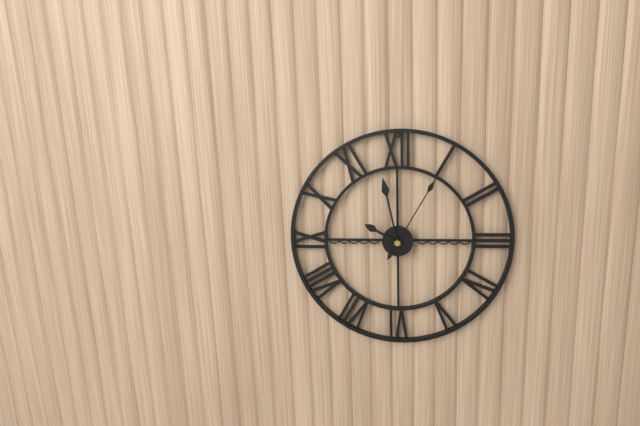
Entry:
9 h 58 min 05 s
